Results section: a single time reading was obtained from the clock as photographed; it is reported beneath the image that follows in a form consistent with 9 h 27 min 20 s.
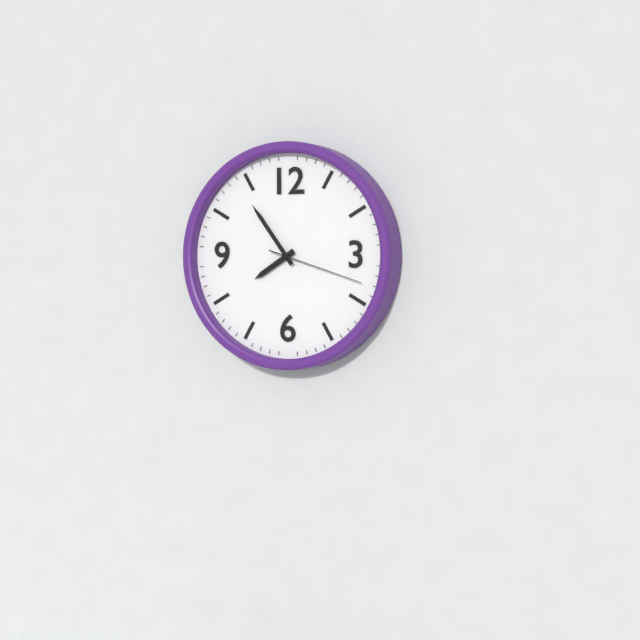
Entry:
7 h 54 min 18 s
